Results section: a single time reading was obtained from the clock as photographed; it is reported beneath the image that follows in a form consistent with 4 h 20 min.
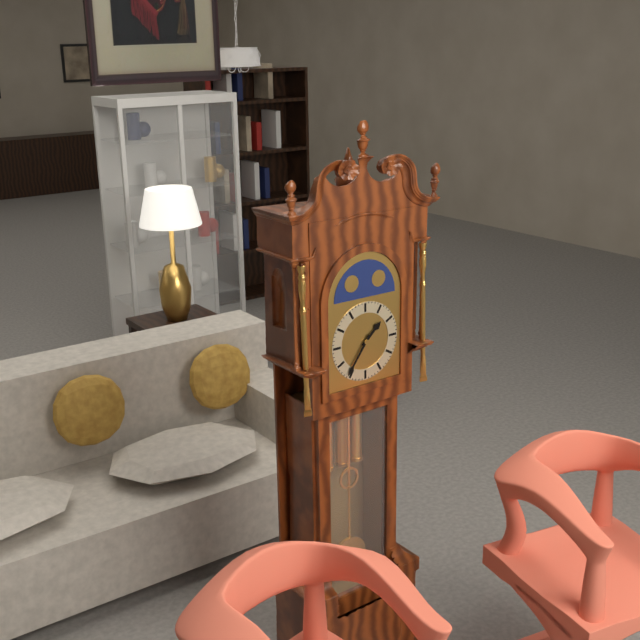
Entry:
1 h 36 min
